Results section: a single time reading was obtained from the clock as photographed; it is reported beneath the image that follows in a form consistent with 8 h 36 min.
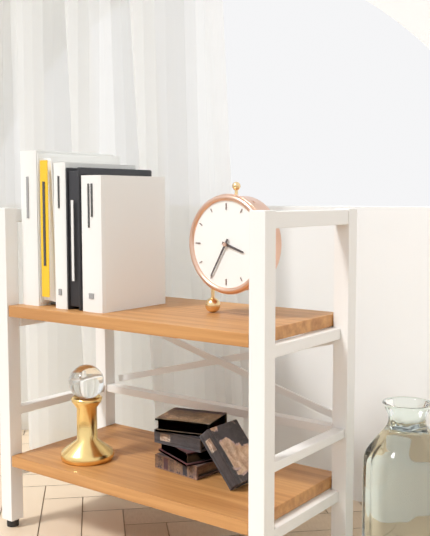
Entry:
3 h 35 min
